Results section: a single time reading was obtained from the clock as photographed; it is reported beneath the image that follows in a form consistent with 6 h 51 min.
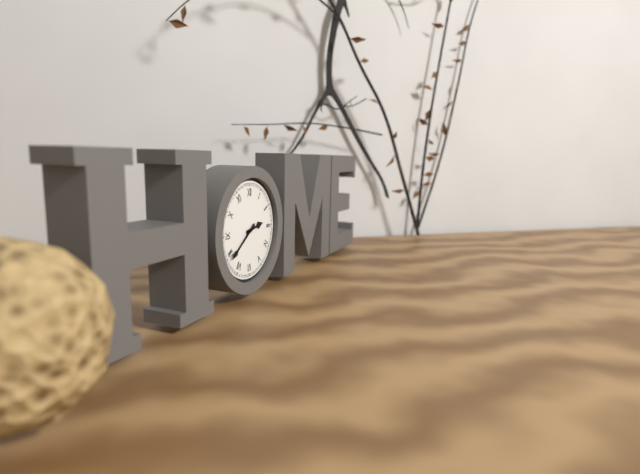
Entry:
2 h 39 min
